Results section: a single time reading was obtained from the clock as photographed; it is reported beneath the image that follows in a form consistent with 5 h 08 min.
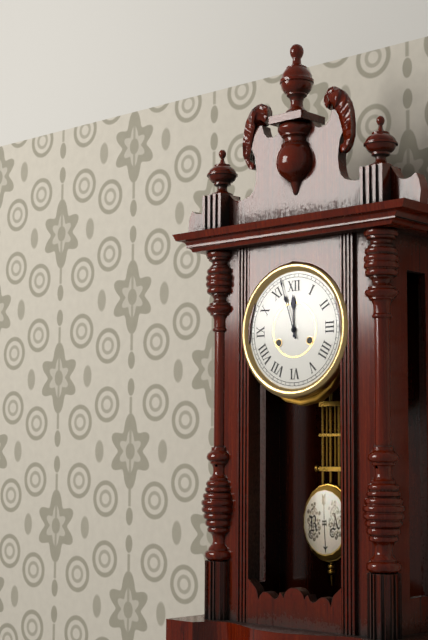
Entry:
11 h 57 min
